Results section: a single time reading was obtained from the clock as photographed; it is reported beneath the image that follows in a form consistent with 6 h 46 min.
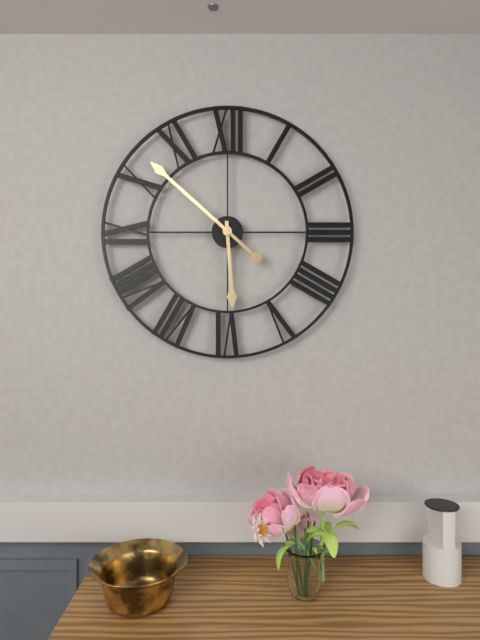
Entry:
5 h 52 min
